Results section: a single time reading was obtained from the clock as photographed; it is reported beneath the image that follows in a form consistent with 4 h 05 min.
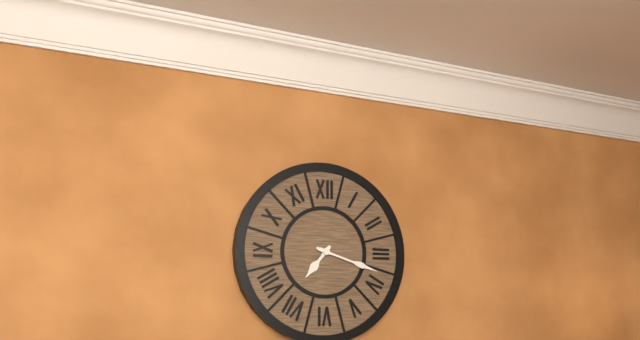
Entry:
7 h 18 min
